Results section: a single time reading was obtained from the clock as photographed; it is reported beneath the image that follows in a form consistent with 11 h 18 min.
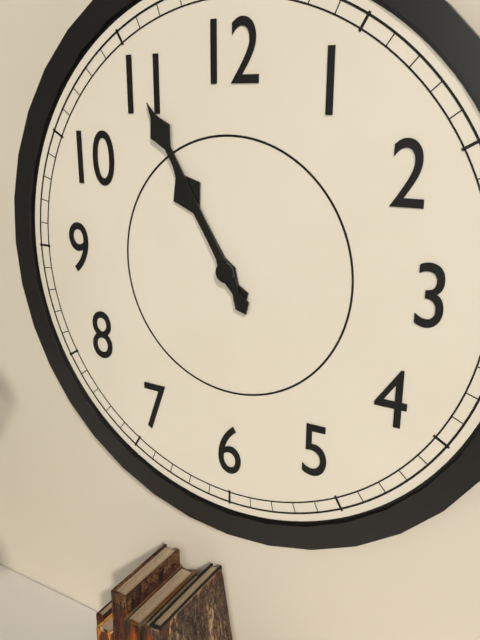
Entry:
10 h 55 min
